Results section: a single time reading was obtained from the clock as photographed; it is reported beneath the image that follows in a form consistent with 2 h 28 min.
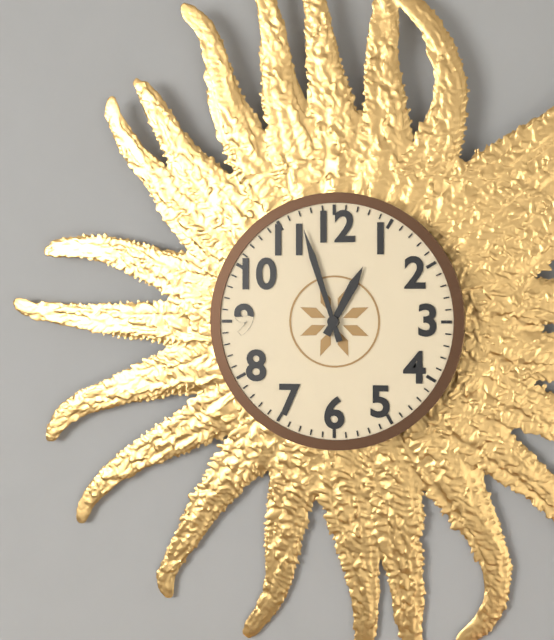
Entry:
12 h 57 min
